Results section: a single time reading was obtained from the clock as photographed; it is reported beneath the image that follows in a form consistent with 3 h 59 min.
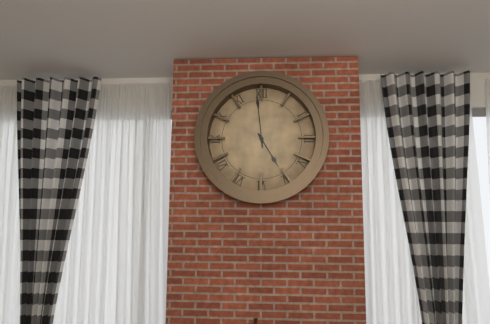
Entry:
4 h 59 min
